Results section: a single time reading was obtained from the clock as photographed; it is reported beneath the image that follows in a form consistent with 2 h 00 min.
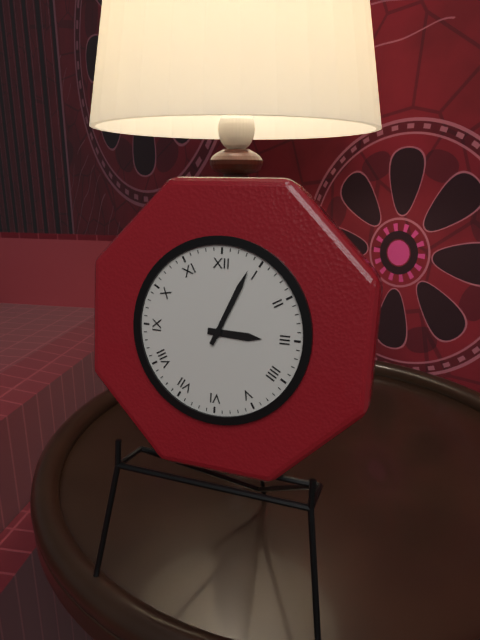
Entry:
3 h 04 min
